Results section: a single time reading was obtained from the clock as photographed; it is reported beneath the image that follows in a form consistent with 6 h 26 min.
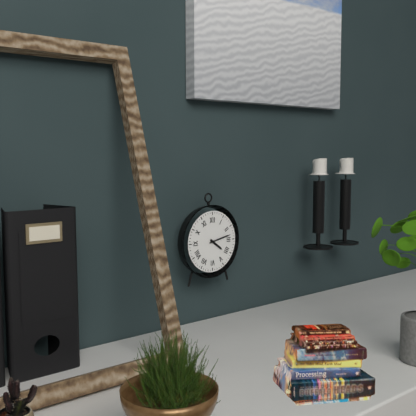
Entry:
4 h 13 min
